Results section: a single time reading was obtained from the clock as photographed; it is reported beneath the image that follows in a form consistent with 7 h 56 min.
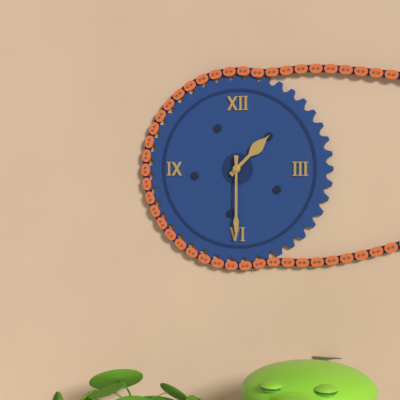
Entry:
1 h 30 min
